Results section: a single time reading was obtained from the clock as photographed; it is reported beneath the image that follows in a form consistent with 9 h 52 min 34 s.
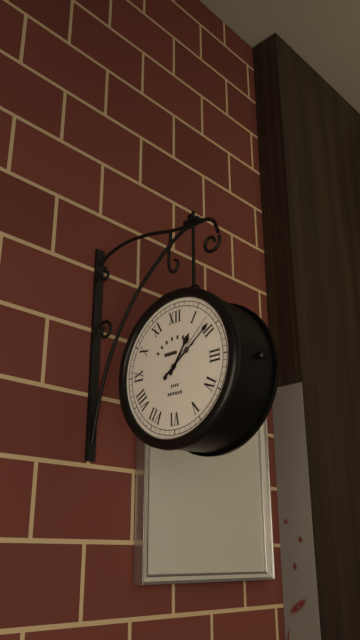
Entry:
1 h 09 min 08 s
